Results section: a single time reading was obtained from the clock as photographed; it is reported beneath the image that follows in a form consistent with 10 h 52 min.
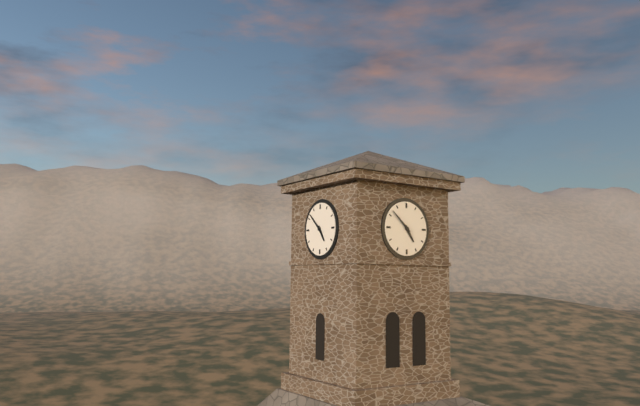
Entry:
4 h 52 min
